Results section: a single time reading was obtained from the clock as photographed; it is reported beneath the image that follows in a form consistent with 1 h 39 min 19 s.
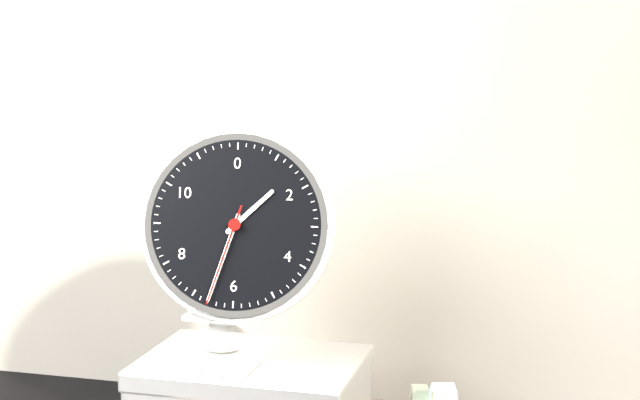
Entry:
1 h 33 min 33 s
